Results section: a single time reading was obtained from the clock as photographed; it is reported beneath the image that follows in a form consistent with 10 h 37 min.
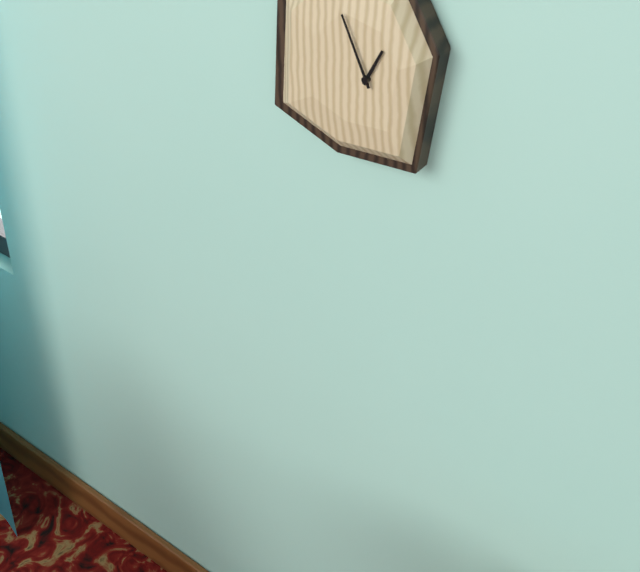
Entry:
12 h 56 min
